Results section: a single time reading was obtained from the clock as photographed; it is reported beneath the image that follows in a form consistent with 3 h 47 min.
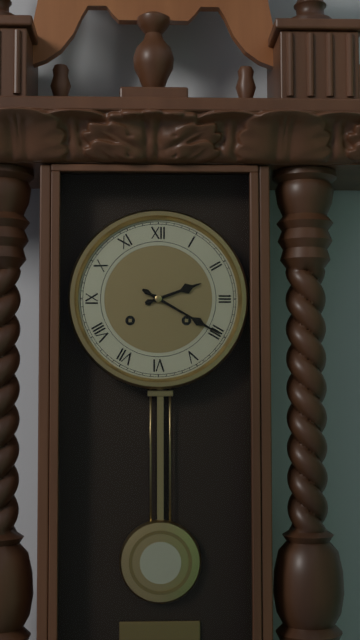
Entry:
2 h 20 min
